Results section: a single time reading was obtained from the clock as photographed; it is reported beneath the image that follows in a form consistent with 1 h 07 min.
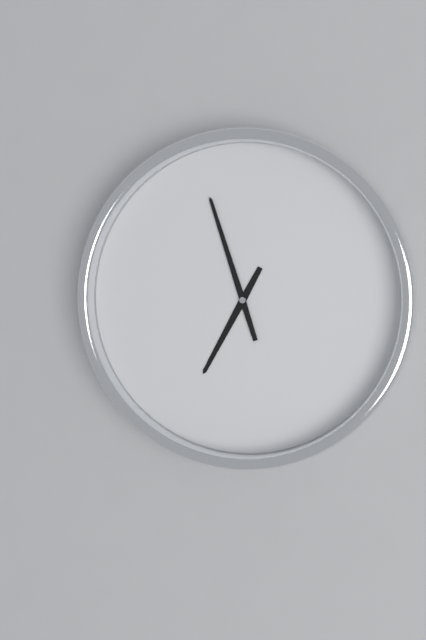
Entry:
6 h 57 min
